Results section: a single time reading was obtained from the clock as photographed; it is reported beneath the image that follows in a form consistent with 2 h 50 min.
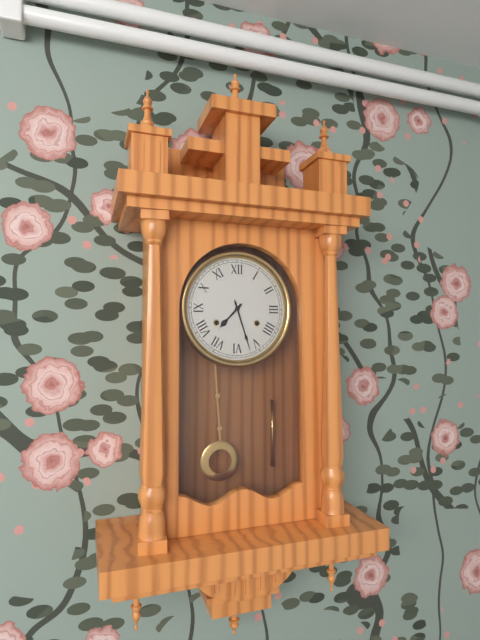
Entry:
7 h 27 min
